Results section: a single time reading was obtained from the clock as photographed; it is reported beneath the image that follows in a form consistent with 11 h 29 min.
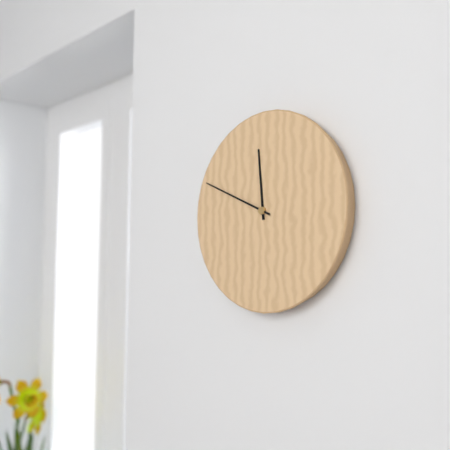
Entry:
11 h 49 min
